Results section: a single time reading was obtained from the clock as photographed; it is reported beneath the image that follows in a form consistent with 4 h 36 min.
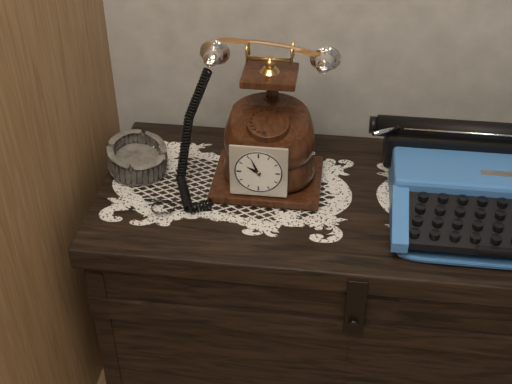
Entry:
9 h 56 min
